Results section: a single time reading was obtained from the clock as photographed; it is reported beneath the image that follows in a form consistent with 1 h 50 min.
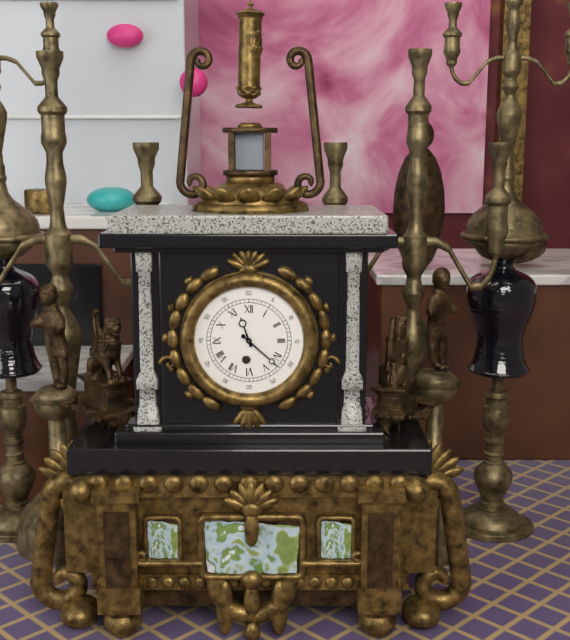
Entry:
11 h 22 min
